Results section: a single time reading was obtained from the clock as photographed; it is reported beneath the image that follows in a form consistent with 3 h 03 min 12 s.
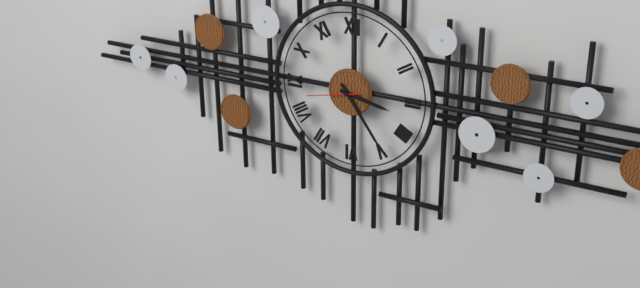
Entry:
3 h 24 min 43 s
